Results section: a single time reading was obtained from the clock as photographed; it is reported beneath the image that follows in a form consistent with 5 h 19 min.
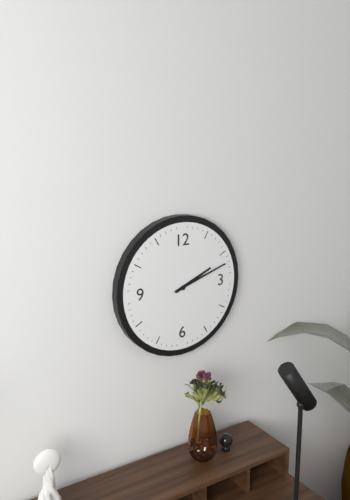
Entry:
2 h 12 min
